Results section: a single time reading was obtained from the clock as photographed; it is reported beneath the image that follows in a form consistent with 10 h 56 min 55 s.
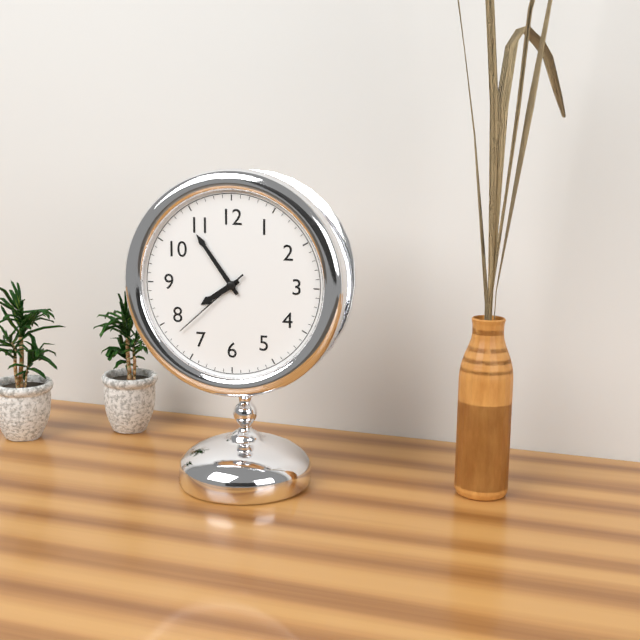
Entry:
7 h 54 min 38 s
